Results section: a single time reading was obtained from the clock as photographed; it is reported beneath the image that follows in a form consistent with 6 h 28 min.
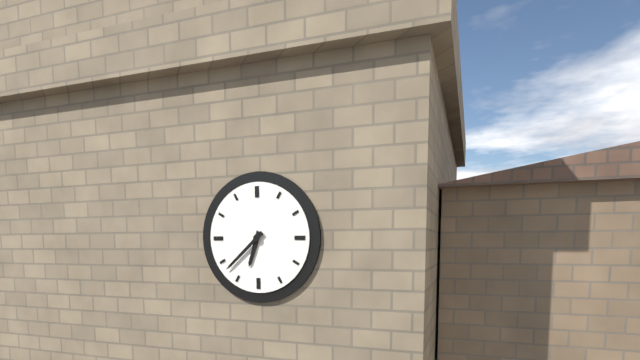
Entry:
6 h 38 min
